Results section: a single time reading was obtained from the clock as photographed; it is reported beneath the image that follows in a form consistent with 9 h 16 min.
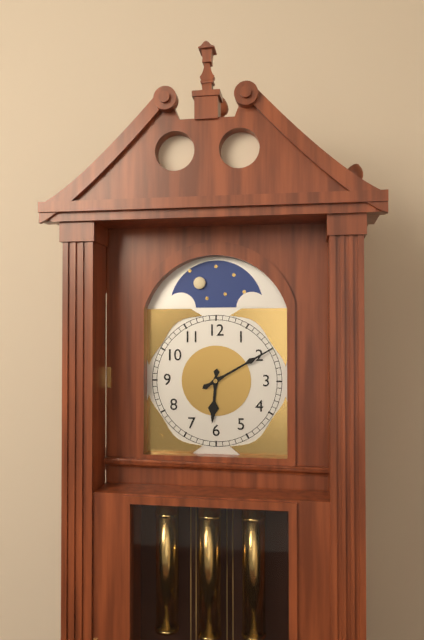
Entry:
6 h 10 min
